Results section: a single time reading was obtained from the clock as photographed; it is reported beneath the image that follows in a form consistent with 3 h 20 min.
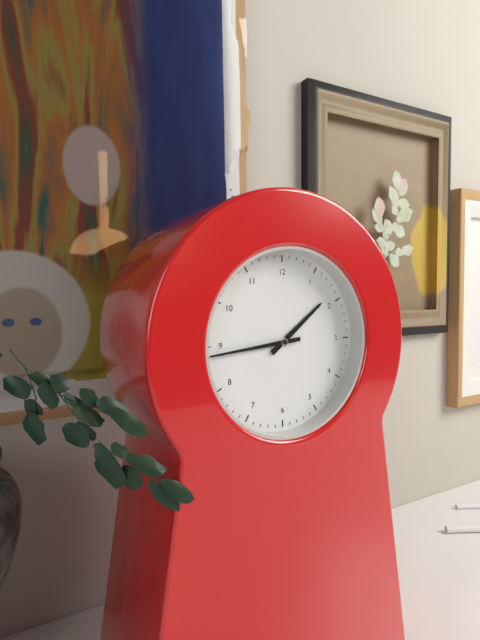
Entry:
1 h 44 min
